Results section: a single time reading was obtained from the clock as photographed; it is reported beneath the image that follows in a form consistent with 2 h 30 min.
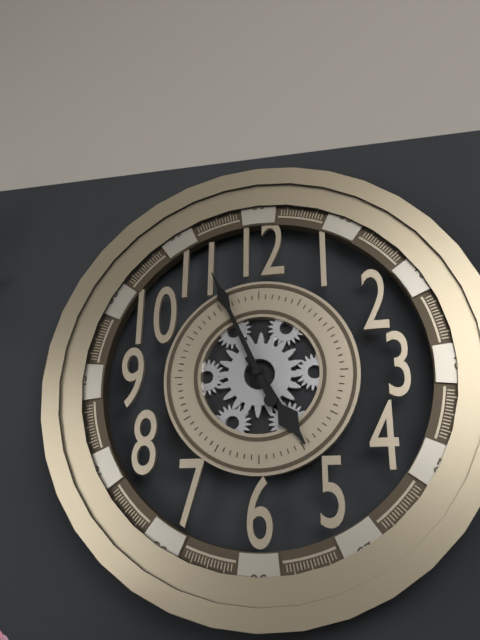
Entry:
4 h 56 min
